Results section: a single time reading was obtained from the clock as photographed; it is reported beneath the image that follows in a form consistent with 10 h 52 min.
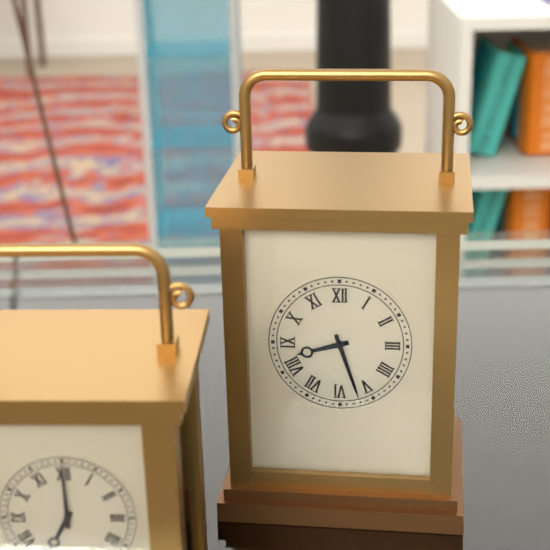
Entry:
8 h 27 min
